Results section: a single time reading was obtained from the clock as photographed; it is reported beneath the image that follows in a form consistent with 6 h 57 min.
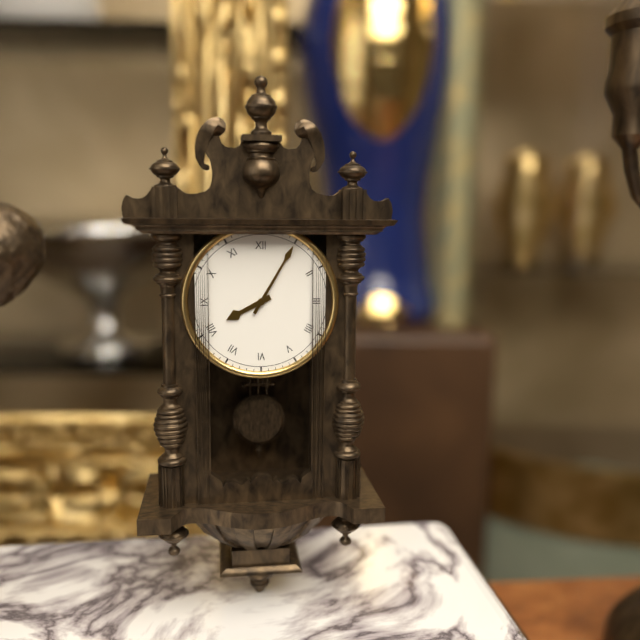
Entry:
8 h 05 min
